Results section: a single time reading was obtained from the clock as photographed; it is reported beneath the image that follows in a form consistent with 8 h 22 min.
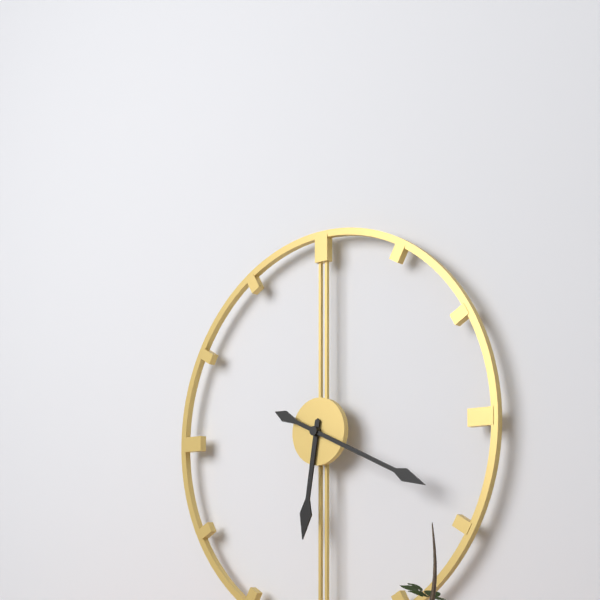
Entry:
6 h 19 min
